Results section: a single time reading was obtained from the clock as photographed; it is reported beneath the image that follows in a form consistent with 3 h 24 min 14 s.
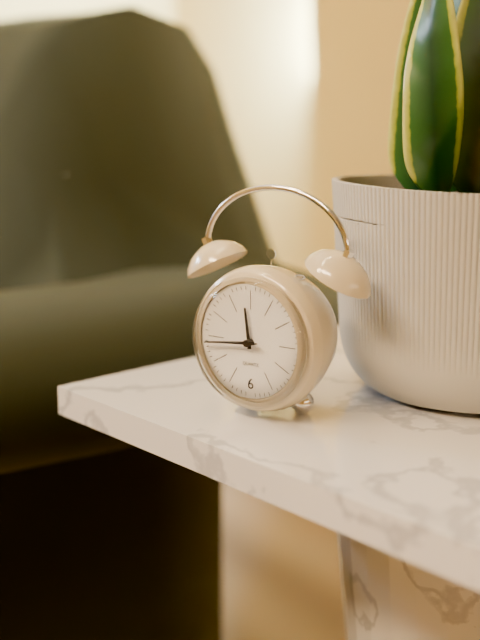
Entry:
11 h 44 min 44 s
